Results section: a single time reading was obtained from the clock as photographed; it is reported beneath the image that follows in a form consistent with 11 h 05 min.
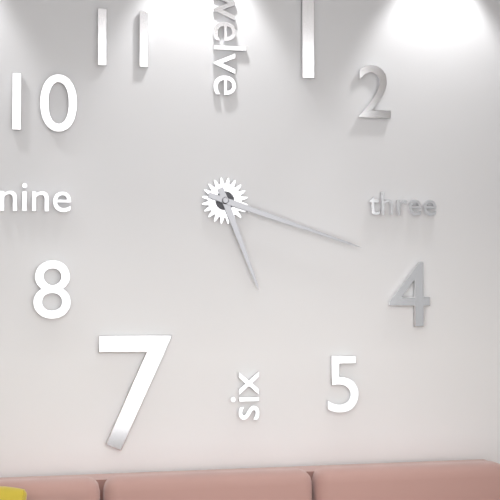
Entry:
5 h 18 min
